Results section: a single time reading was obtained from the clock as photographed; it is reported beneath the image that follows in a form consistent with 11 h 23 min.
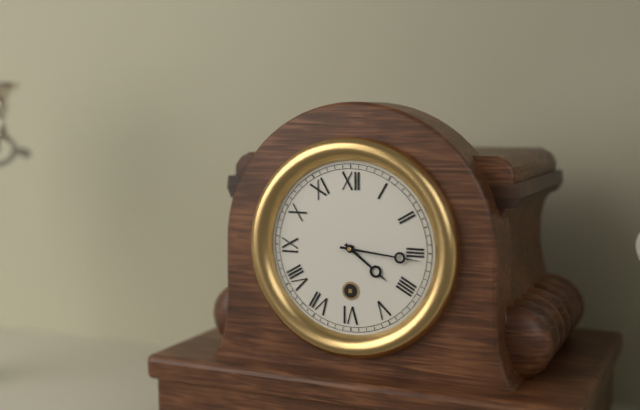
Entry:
4 h 16 min
